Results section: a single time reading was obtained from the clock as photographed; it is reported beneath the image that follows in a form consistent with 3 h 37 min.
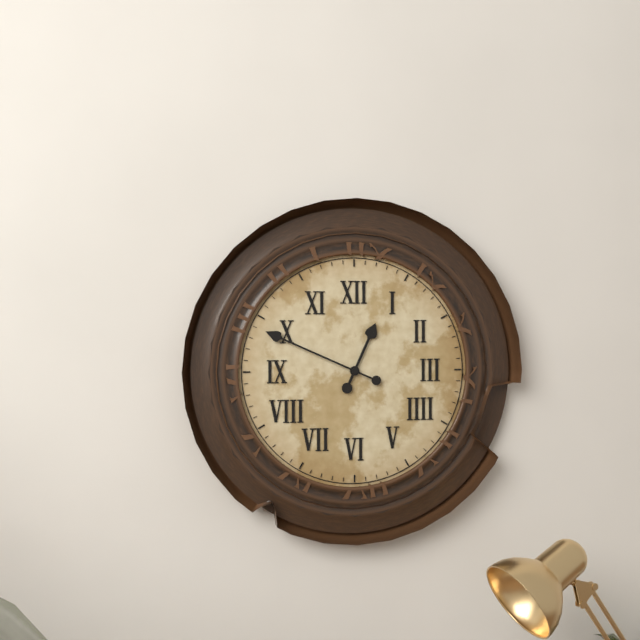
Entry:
12 h 49 min
